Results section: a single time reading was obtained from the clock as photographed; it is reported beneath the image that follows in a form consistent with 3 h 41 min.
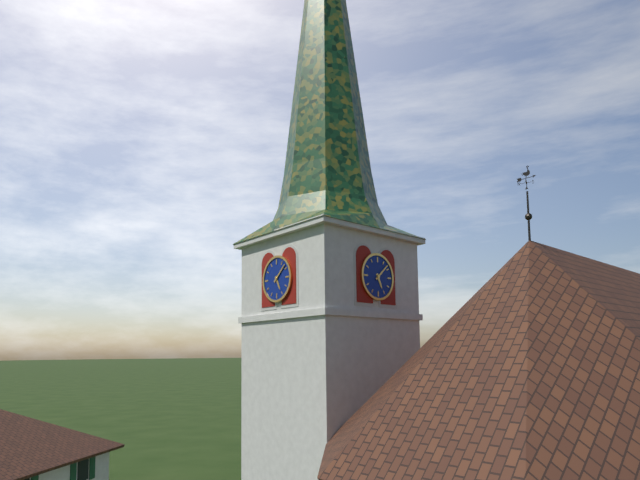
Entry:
5 h 08 min
